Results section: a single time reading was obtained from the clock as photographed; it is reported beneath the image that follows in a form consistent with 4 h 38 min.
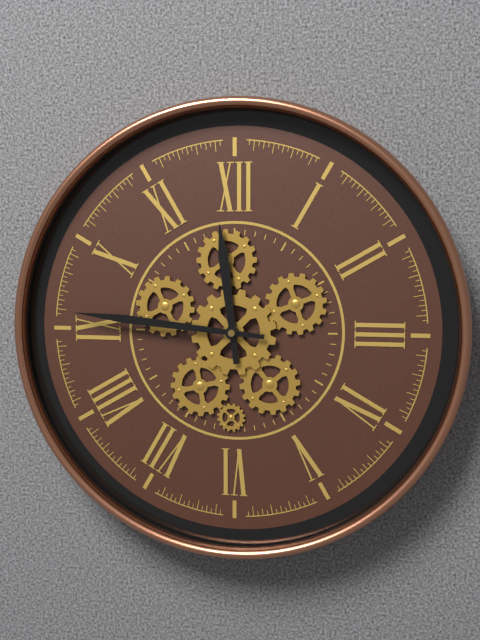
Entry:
11 h 46 min
